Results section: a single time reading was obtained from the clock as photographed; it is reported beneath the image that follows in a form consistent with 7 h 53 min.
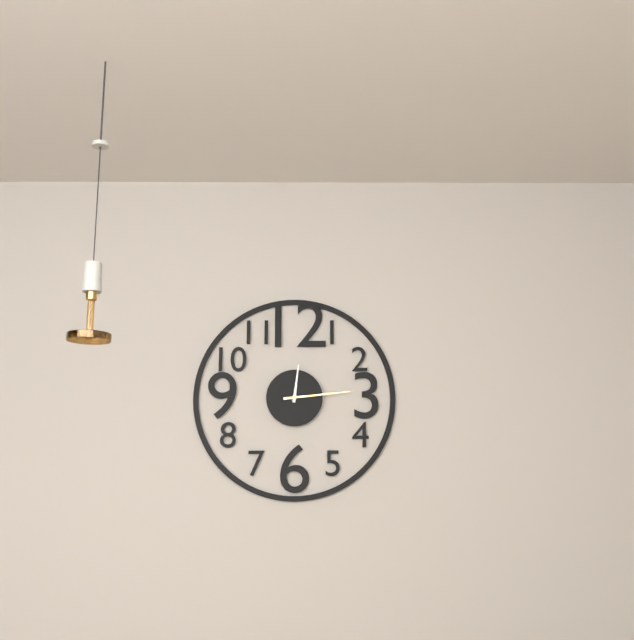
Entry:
12 h 14 min
